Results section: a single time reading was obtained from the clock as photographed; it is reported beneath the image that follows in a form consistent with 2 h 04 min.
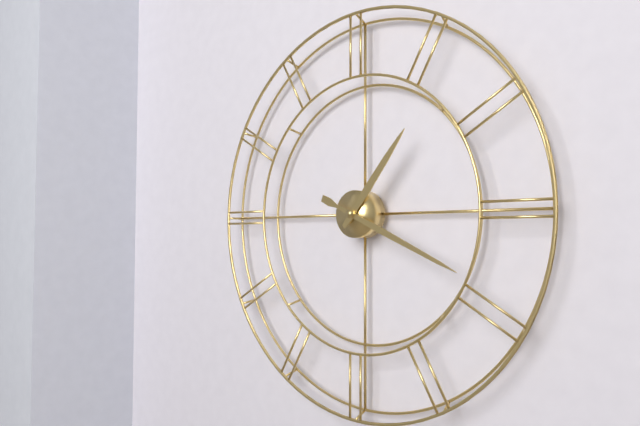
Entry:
1 h 19 min
